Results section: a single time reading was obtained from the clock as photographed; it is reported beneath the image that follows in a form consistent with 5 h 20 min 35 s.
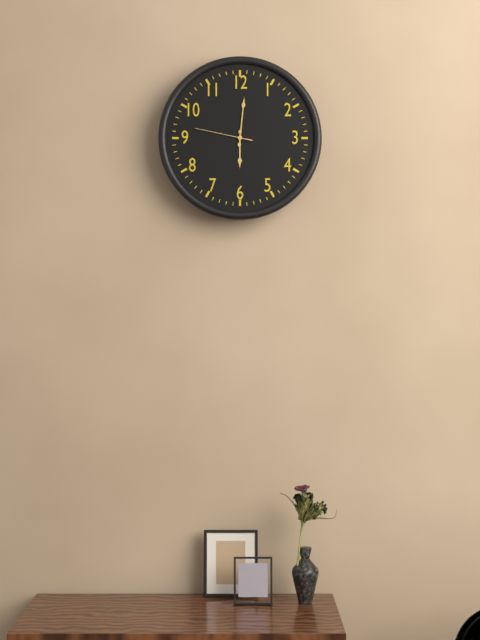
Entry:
6 h 01 min 47 s
